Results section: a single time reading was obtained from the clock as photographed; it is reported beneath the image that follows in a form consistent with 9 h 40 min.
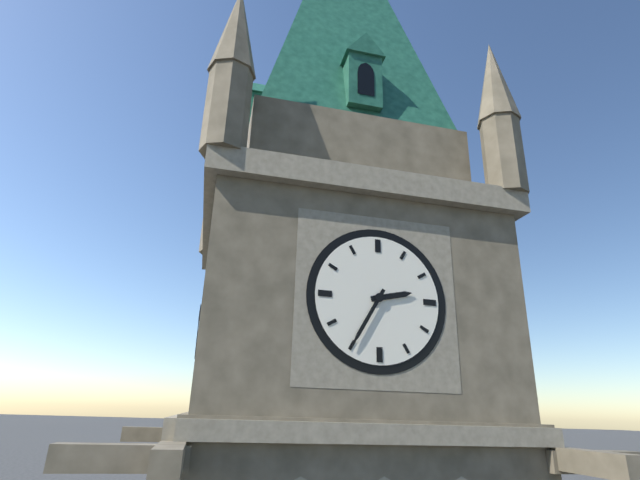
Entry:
2 h 35 min
